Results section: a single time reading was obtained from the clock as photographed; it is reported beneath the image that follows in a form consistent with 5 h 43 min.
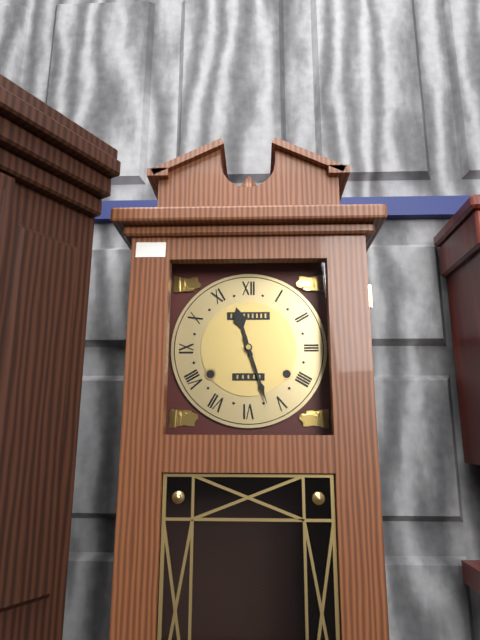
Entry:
11 h 27 min
